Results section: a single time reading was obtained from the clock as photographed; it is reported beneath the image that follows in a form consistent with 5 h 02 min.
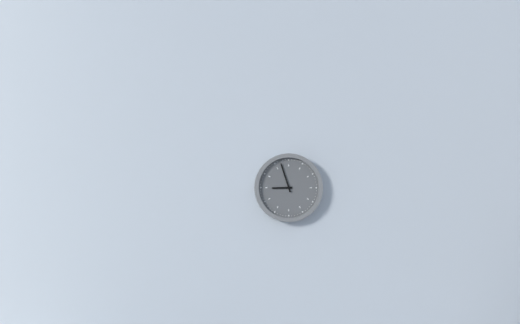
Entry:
8 h 57 min
